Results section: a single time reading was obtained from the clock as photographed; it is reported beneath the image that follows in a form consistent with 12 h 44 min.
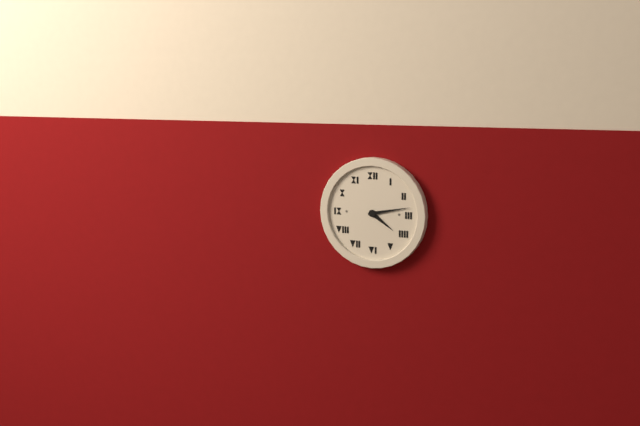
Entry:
4 h 13 min
